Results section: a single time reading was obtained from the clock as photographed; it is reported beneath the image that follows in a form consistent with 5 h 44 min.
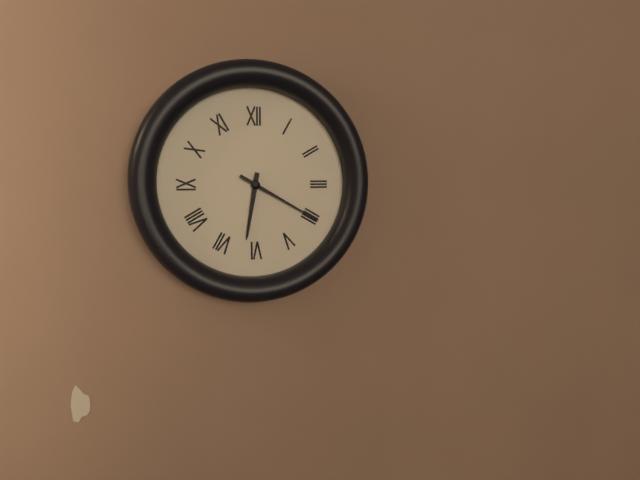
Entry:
6 h 20 min
